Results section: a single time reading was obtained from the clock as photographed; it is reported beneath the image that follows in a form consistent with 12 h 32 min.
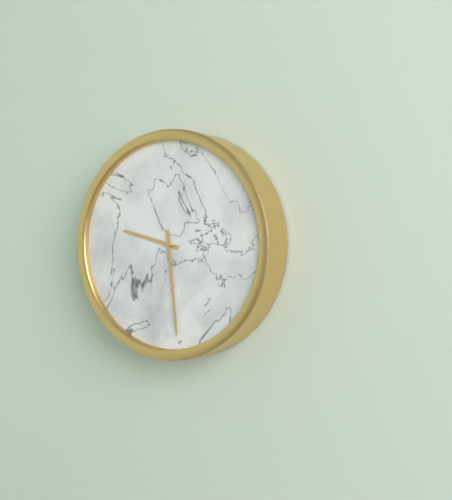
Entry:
9 h 29 min
